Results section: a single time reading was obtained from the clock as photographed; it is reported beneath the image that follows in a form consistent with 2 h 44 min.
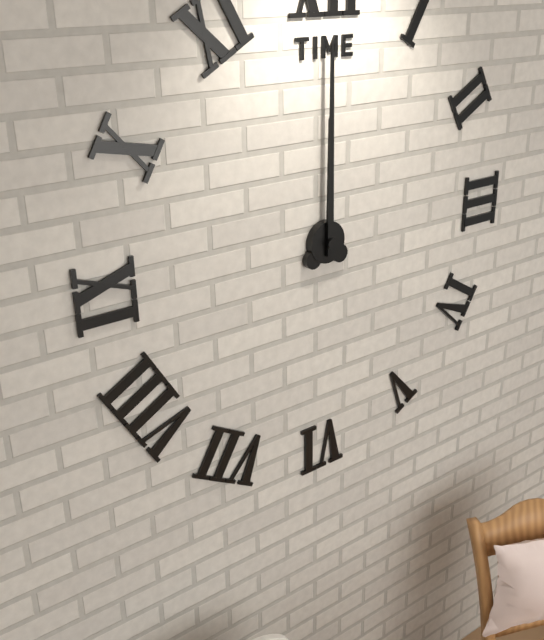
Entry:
12 h 00 min
